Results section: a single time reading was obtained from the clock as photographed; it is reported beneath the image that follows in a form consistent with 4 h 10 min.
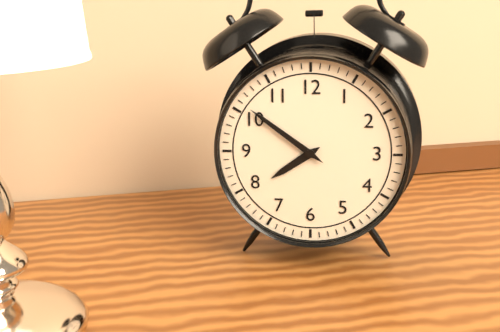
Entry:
7 h 51 min
